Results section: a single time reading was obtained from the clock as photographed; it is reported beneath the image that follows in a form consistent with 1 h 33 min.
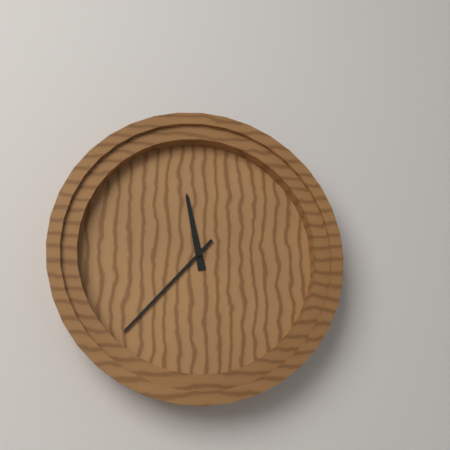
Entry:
11 h 37 min
